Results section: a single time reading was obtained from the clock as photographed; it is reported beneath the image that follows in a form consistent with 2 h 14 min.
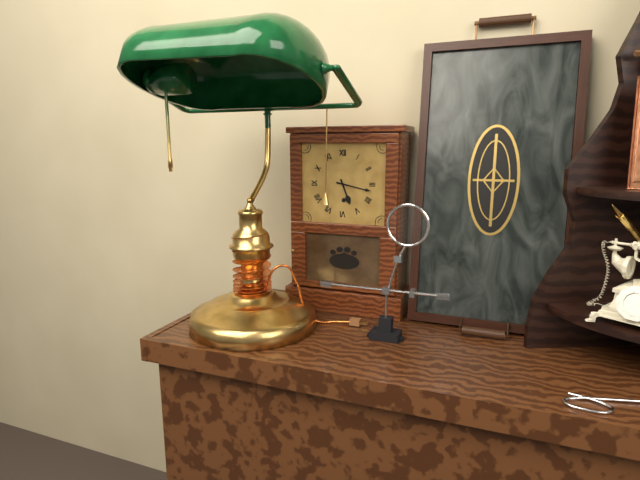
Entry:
5 h 17 min
